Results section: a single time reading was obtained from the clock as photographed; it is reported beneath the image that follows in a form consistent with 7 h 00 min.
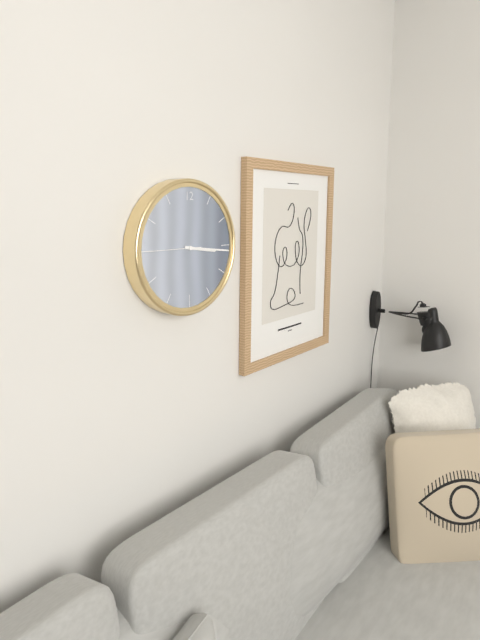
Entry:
3 h 16 min
